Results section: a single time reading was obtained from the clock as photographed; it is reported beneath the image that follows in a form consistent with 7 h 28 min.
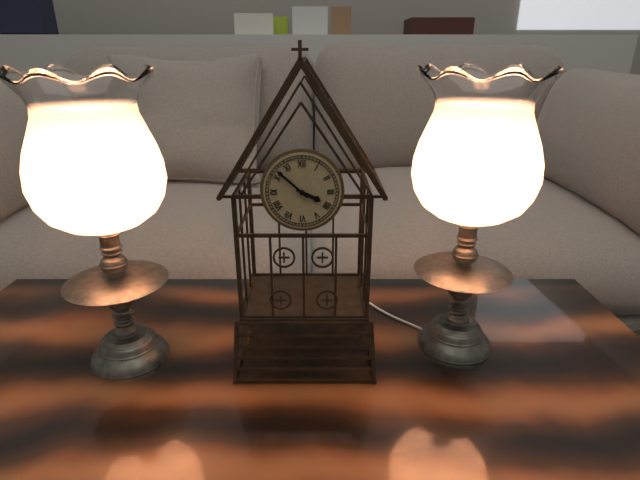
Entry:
3 h 52 min
